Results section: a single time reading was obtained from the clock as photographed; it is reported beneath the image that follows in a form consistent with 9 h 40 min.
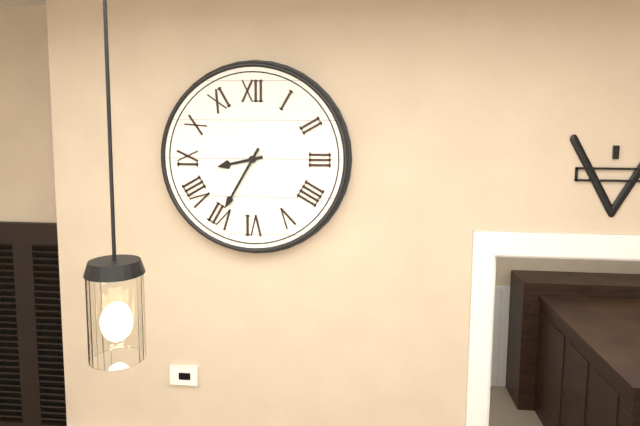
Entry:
8 h 35 min
